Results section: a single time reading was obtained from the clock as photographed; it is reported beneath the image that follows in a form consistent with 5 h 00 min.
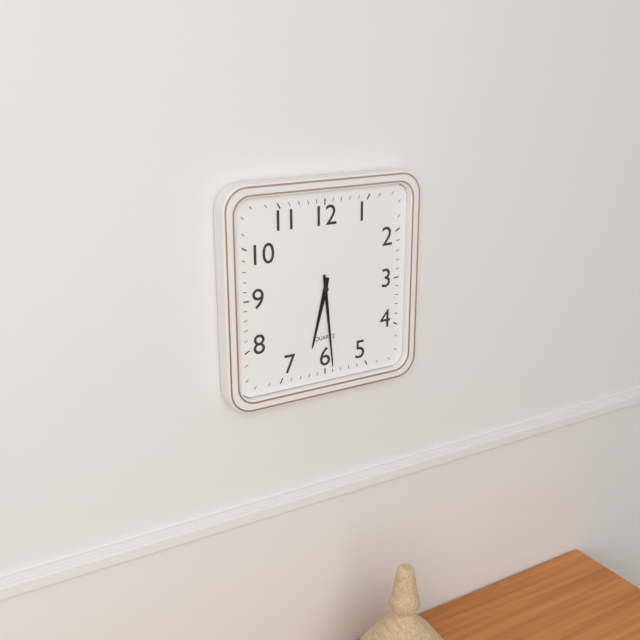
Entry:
6 h 29 min
